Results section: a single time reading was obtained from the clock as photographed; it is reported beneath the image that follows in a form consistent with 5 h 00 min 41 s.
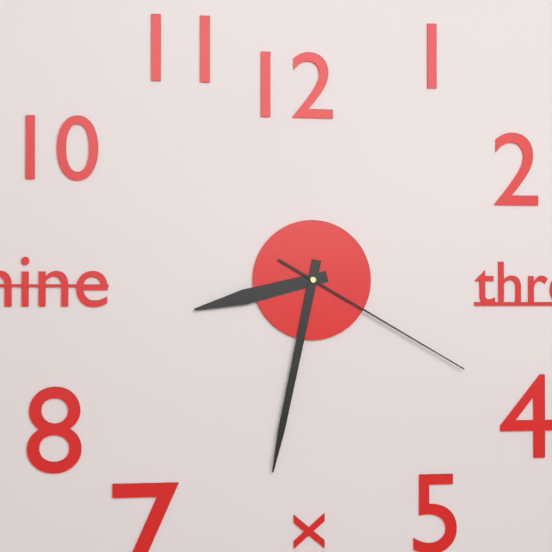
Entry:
8 h 32 min 20 s
